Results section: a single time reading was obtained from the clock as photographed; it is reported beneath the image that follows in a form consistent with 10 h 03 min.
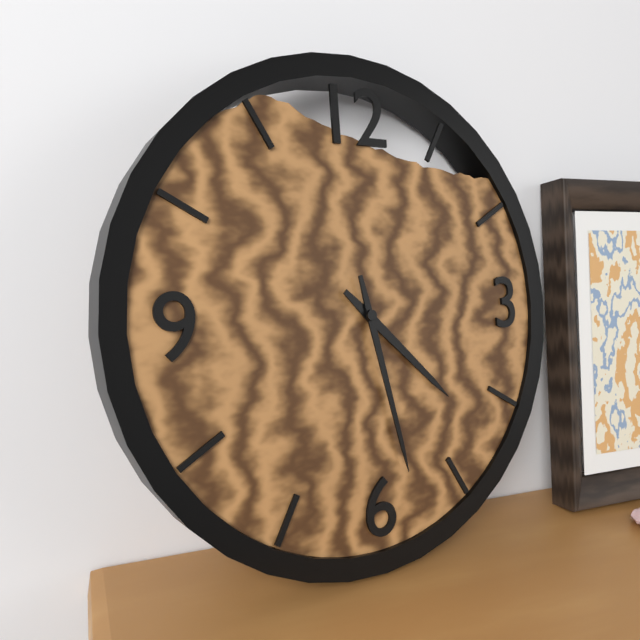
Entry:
4 h 28 min
